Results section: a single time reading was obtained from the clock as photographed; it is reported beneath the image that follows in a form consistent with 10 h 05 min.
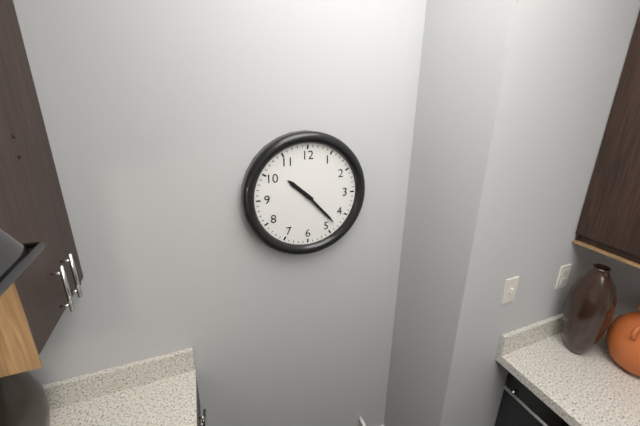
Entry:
10 h 23 min
